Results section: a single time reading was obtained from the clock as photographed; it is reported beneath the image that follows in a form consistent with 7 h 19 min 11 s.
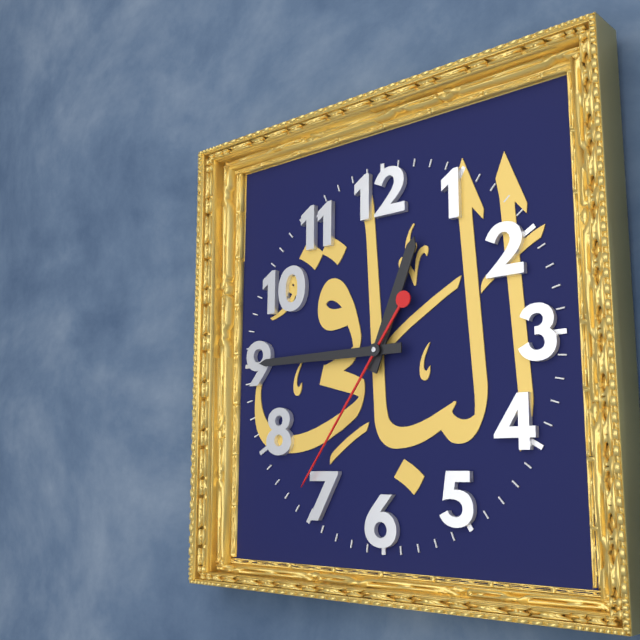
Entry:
12 h 45 min 36 s
